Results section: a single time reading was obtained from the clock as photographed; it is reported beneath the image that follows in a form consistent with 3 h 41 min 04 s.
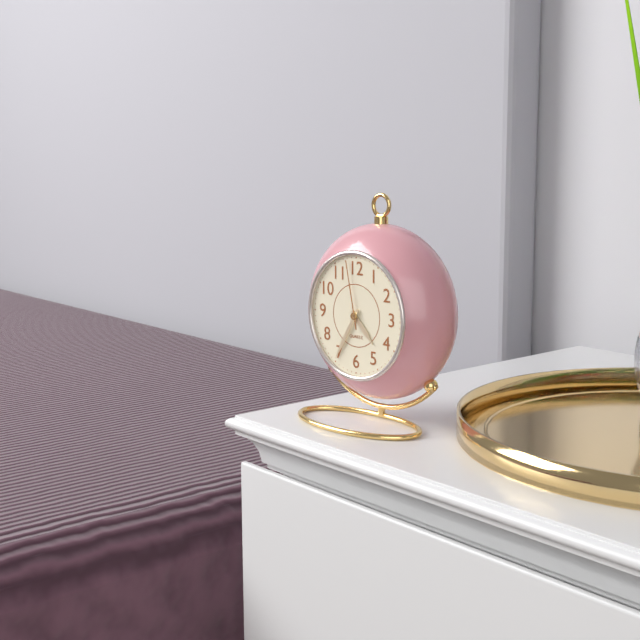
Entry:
4 h 35 min 58 s
